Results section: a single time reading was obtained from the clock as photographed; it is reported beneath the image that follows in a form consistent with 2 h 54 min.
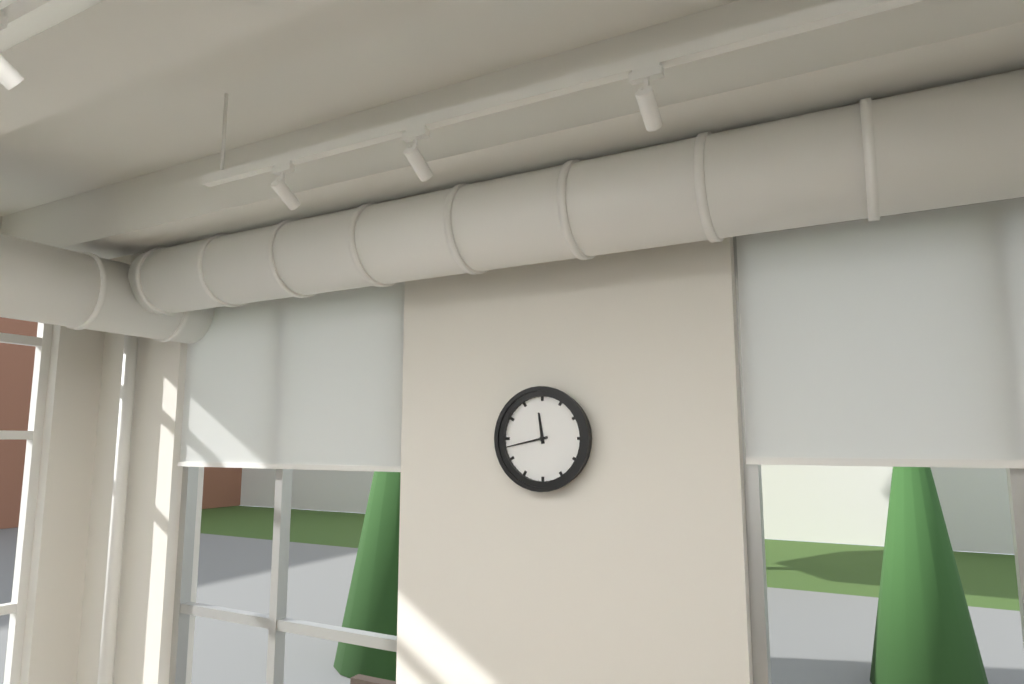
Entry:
11 h 43 min
